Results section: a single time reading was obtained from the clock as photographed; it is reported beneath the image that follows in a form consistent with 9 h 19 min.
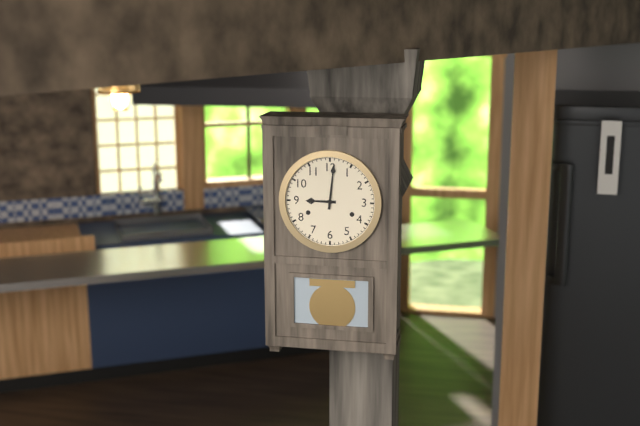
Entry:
9 h 01 min
